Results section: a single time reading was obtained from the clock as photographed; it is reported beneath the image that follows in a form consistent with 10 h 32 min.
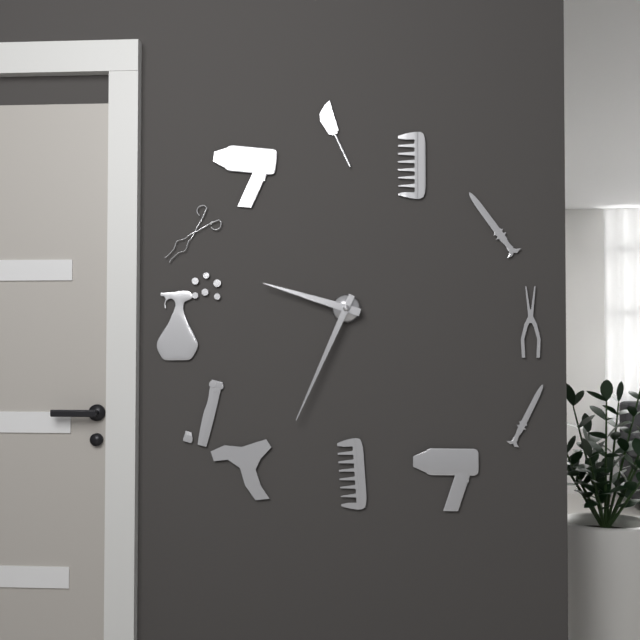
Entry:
9 h 34 min
